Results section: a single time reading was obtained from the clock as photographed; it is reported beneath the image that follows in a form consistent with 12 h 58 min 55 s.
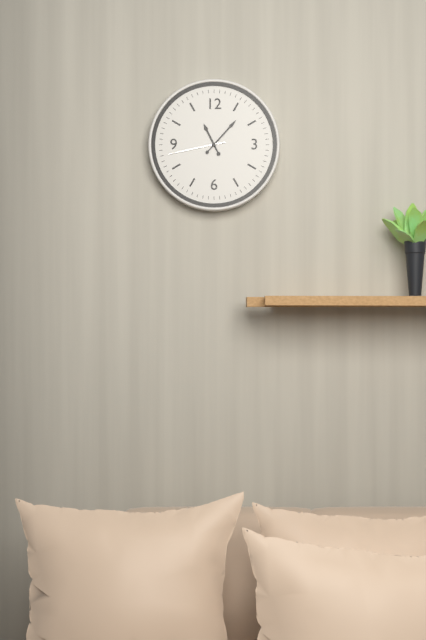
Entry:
11 h 07 min 43 s
